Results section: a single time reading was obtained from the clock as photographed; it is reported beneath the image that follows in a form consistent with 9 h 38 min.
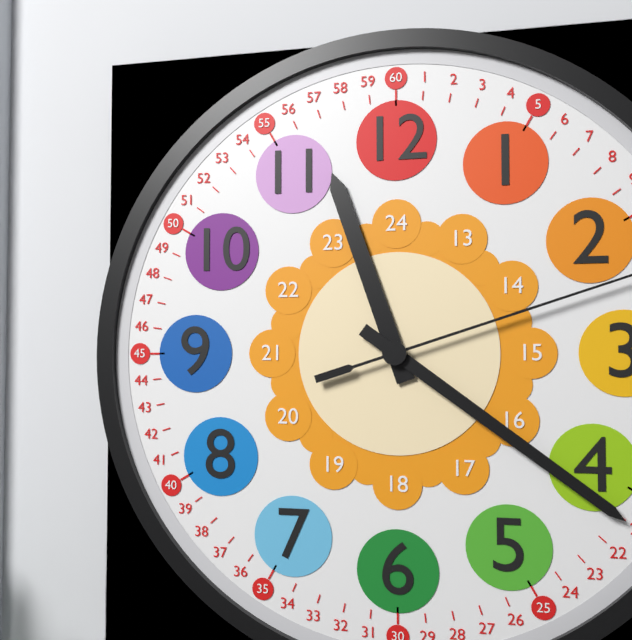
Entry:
11 h 21 min
